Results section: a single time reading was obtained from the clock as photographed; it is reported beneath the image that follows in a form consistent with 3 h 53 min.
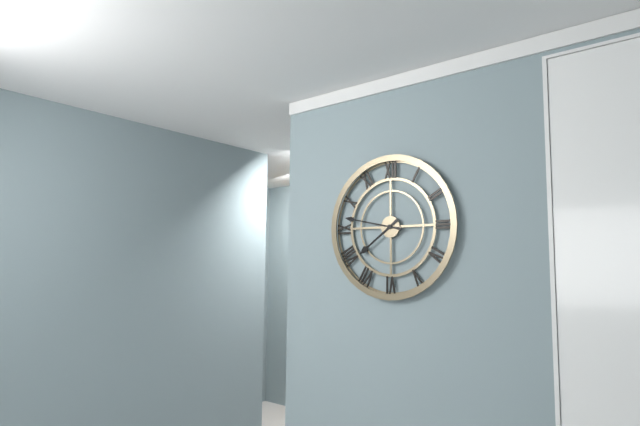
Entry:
7 h 47 min
